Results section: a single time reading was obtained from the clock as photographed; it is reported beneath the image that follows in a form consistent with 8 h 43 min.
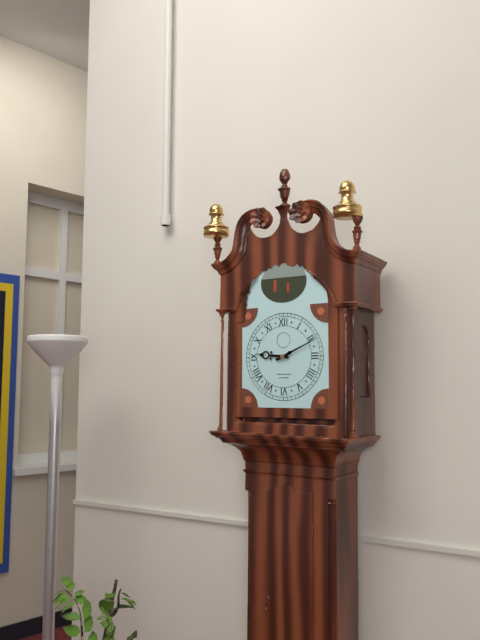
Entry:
9 h 11 min
